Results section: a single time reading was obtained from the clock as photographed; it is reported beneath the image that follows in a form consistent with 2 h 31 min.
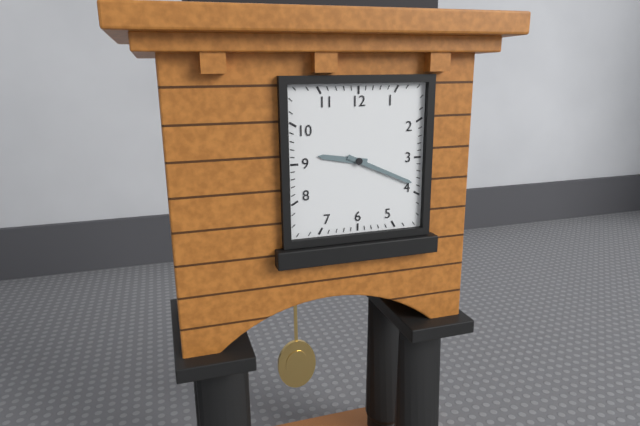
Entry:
9 h 19 min
